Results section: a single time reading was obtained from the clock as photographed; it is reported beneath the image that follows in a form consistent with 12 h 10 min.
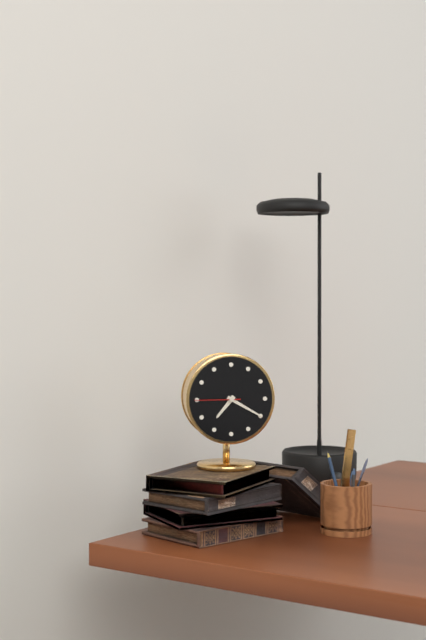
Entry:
7 h 20 min
